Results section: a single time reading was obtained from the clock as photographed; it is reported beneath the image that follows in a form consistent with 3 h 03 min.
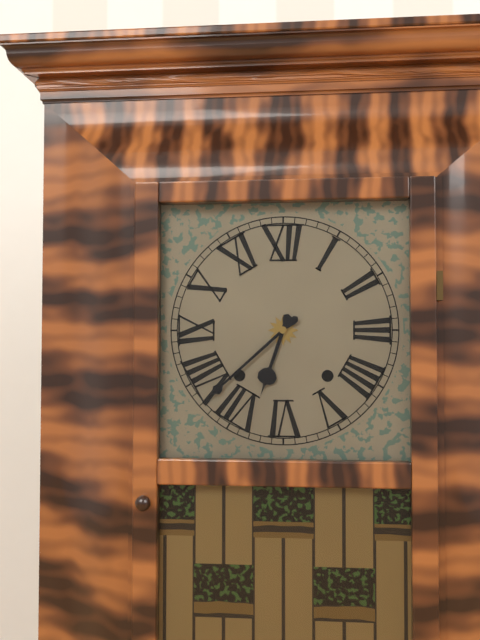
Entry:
6 h 38 min
